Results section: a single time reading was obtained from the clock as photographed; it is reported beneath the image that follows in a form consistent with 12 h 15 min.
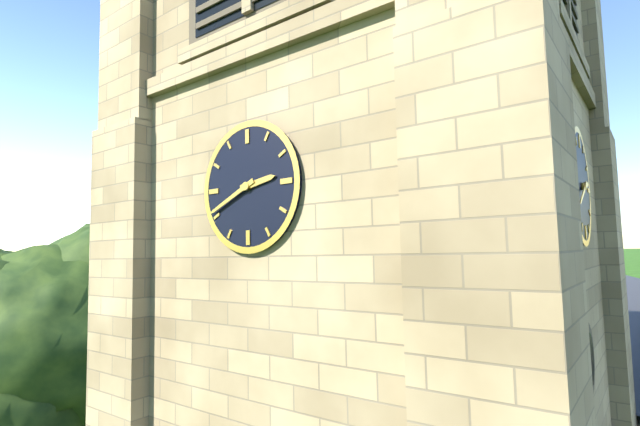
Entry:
2 h 41 min
